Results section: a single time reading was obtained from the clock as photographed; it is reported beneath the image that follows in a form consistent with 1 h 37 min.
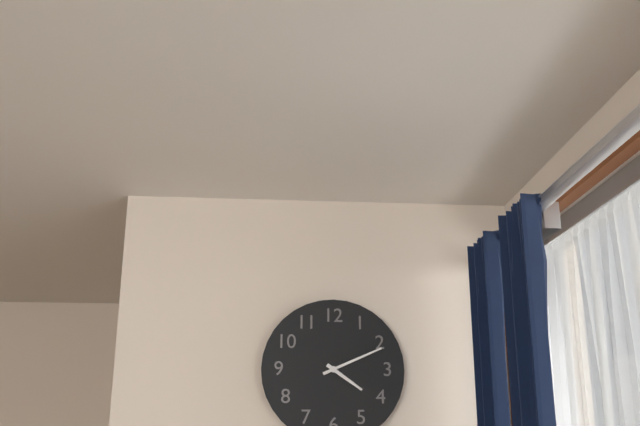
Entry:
4 h 11 min
